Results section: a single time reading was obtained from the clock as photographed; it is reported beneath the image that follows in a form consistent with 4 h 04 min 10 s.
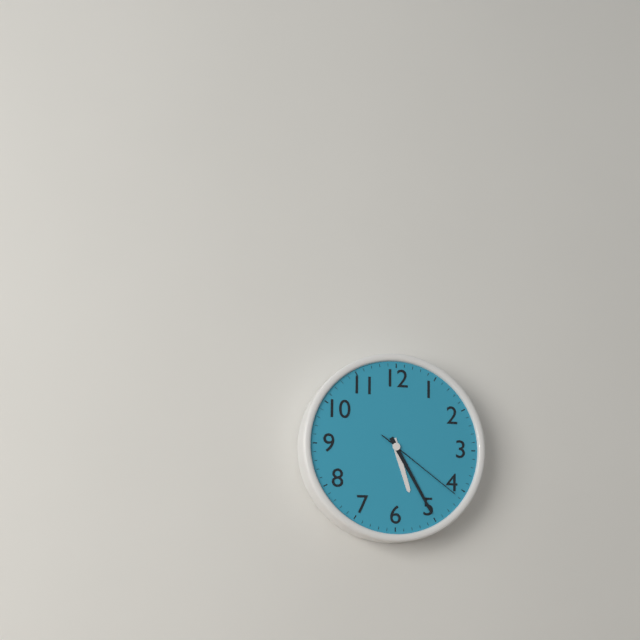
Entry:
5 h 25 min 21 s
